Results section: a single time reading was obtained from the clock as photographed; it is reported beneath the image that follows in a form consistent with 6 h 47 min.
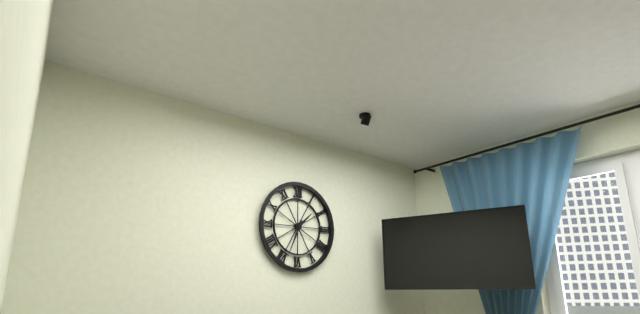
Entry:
1 h 34 min
